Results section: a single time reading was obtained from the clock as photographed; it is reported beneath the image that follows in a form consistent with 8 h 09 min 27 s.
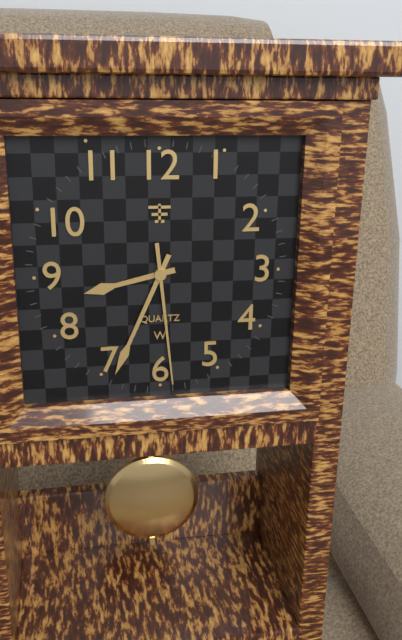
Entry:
8 h 34 min 29 s
